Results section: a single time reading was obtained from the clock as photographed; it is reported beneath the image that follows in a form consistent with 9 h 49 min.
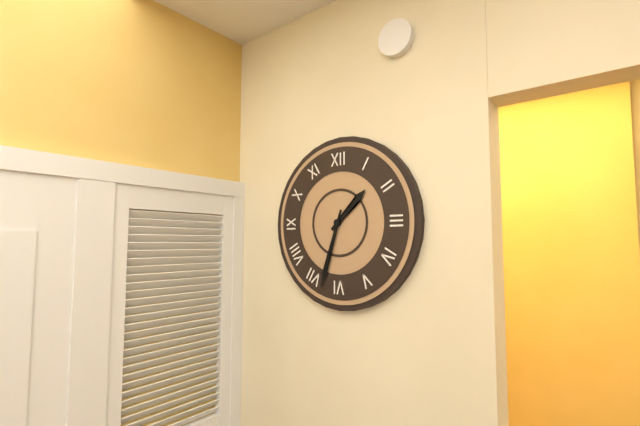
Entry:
1 h 33 min
